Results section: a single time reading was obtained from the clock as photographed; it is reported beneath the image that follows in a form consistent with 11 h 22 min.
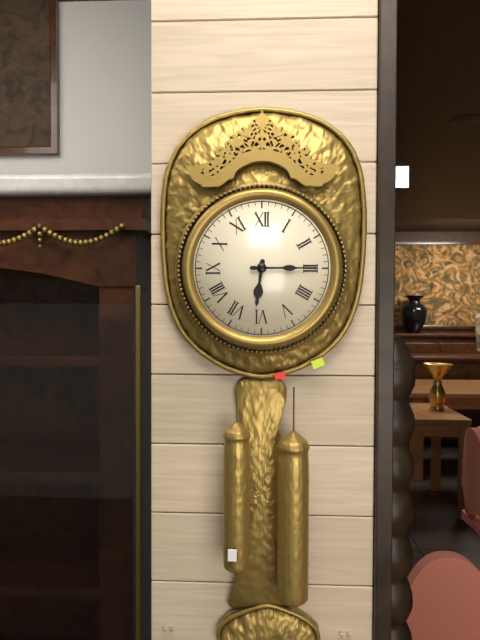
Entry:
6 h 15 min
